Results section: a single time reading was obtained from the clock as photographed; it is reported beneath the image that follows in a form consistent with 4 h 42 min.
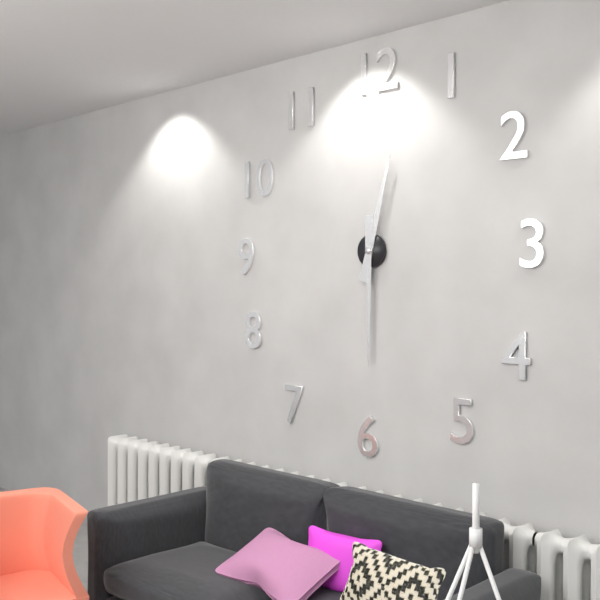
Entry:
12 h 30 min
